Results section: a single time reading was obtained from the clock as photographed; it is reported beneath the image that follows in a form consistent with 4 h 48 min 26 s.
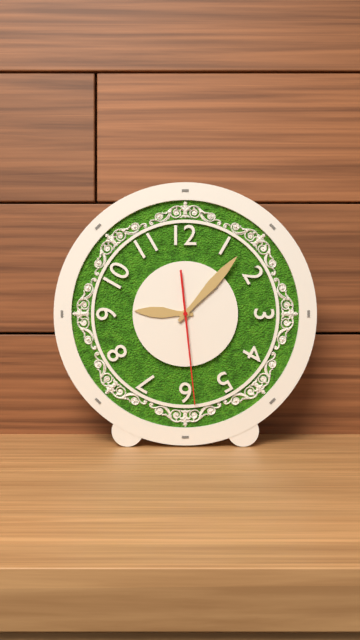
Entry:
9 h 07 min 29 s
